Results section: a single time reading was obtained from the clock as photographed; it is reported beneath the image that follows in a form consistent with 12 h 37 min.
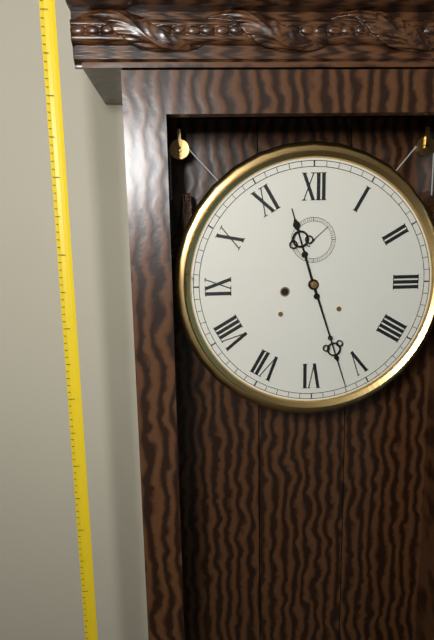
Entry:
11 h 27 min
